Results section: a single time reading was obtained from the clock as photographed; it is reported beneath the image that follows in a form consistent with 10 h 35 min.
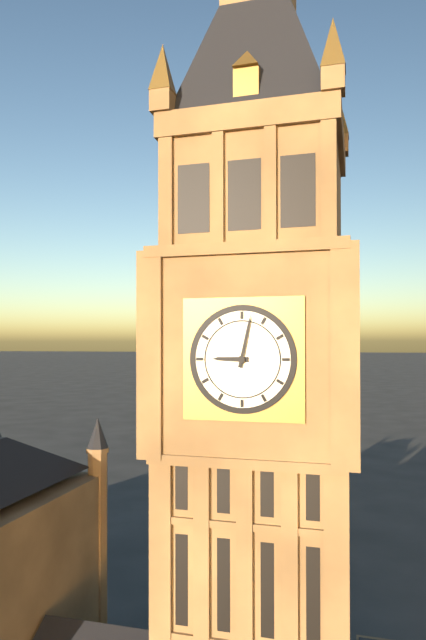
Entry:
9 h 02 min
